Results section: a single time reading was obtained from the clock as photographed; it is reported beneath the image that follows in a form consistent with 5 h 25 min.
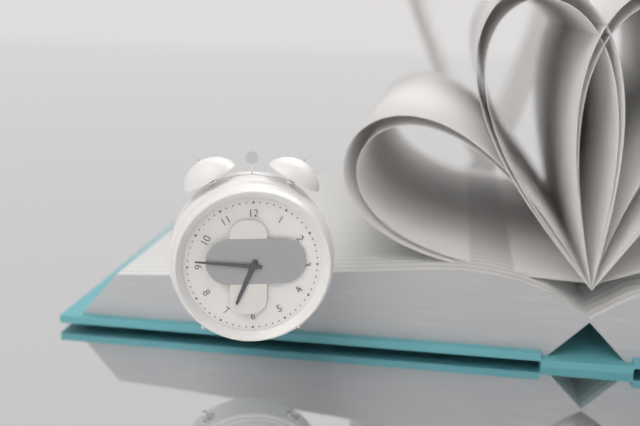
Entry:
6 h 46 min
